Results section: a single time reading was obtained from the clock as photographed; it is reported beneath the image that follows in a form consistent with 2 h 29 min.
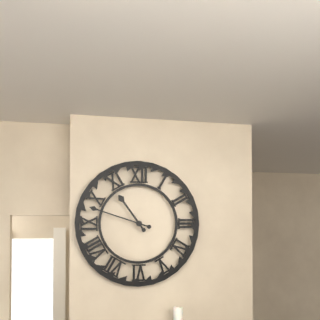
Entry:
10 h 48 min
